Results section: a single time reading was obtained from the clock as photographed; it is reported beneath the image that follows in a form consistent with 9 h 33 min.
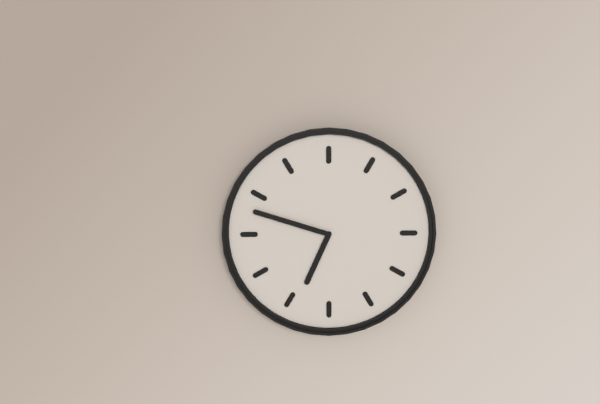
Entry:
6 h 48 min
